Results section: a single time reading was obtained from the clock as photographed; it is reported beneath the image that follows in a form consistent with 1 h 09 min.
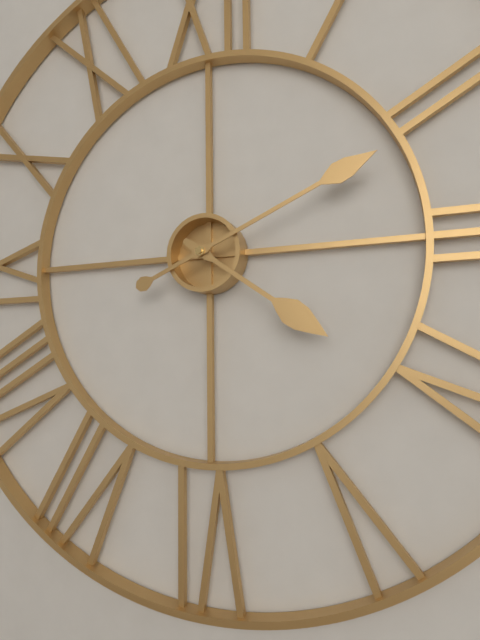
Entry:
4 h 11 min
